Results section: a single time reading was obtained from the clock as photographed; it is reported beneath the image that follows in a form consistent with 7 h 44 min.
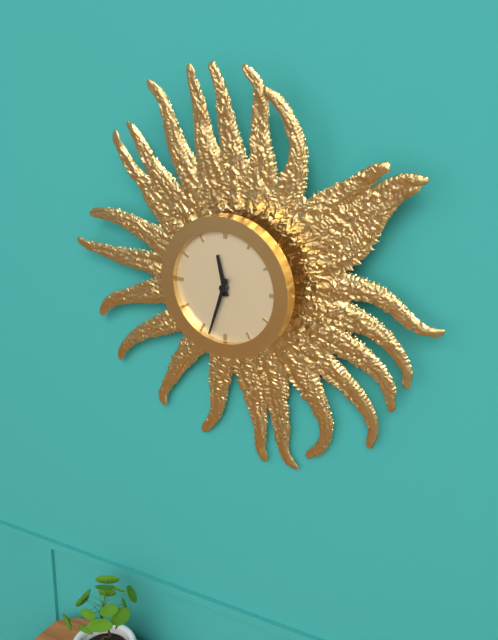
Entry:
11 h 33 min
